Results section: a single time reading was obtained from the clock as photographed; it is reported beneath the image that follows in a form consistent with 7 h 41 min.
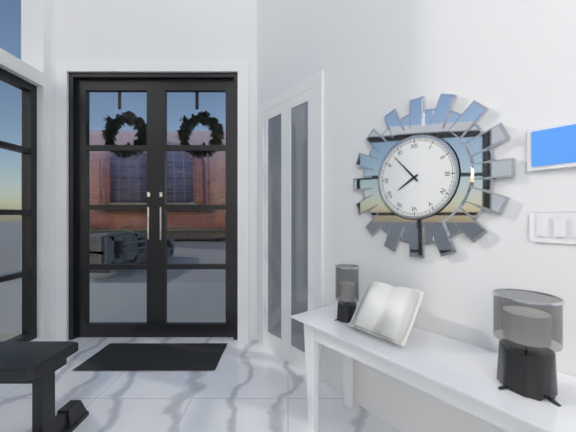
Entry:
7 h 53 min
